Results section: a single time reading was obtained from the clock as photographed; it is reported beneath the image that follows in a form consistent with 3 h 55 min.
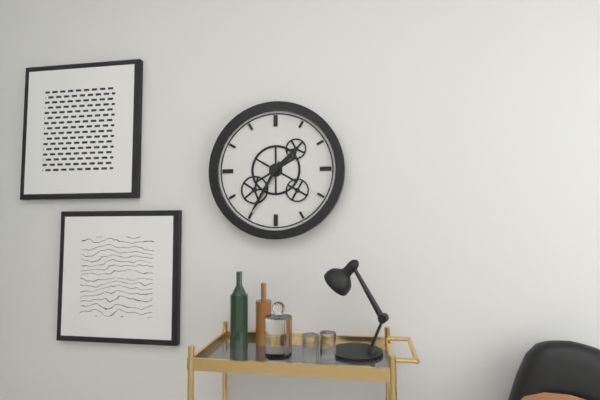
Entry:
1 h 35 min
